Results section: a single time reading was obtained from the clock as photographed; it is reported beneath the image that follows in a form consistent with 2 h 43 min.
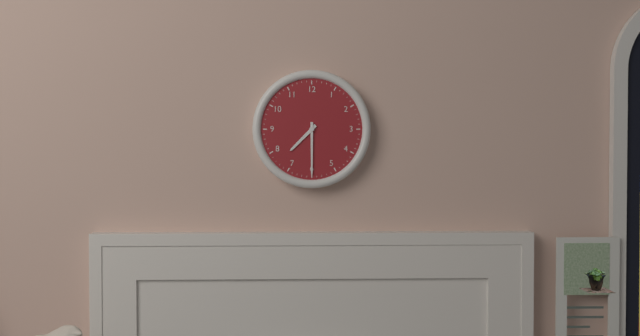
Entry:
7 h 30 min
